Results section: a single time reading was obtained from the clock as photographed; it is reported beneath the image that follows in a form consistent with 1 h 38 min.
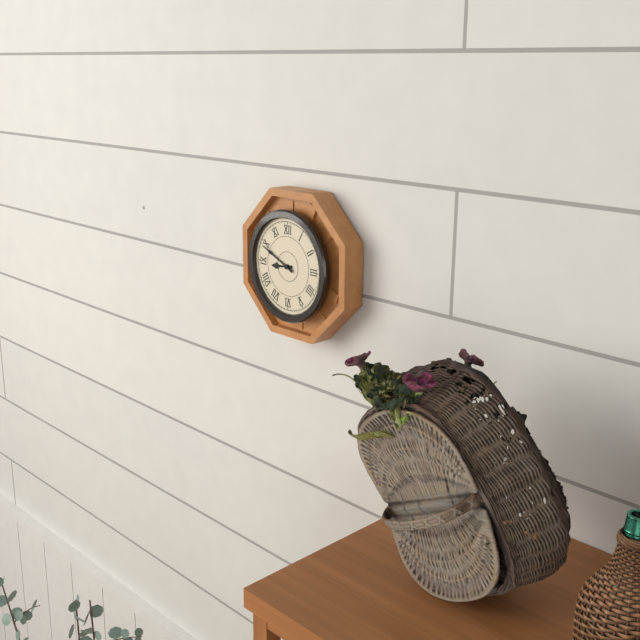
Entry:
8 h 49 min
